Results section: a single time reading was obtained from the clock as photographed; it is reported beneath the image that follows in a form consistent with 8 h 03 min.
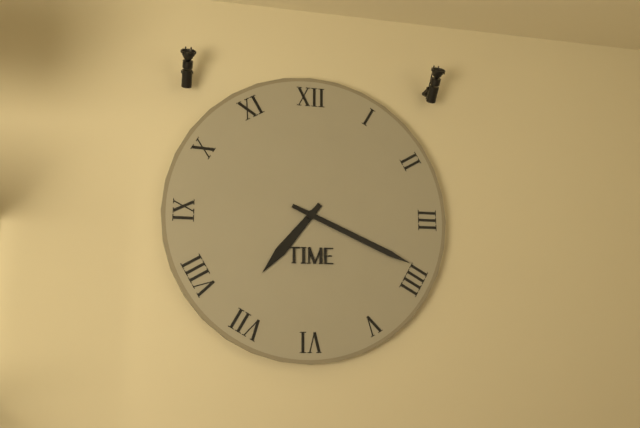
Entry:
7 h 19 min
